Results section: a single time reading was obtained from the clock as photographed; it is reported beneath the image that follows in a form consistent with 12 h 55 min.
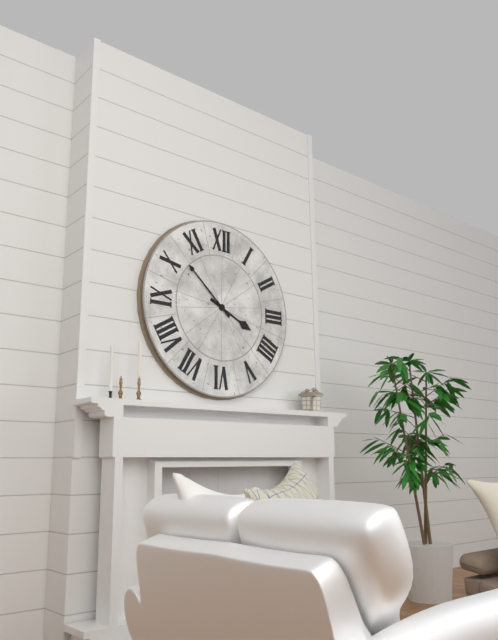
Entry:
3 h 52 min
